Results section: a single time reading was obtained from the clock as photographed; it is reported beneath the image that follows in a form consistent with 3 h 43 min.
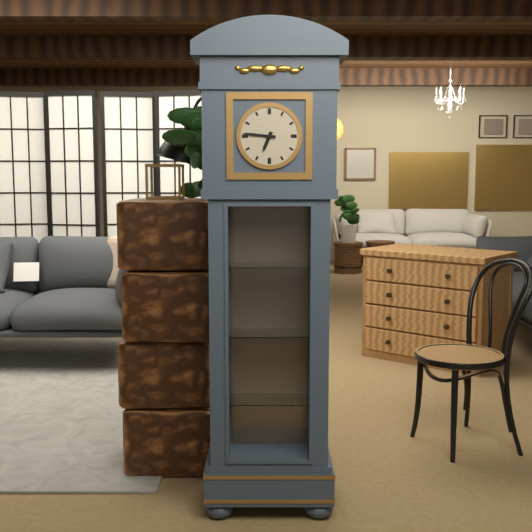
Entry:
6 h 46 min
